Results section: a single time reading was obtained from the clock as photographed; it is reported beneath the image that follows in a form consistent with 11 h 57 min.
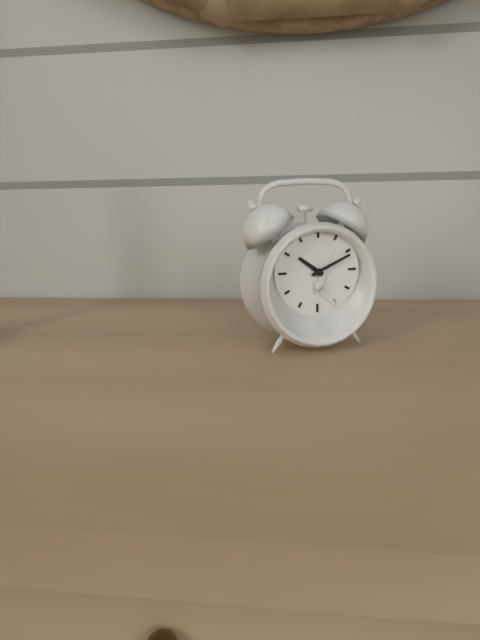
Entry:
10 h 11 min
